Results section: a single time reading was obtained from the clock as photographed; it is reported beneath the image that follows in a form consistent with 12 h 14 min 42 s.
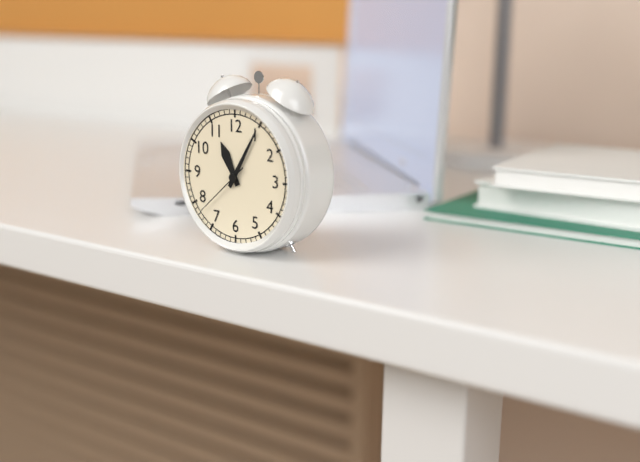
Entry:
11 h 05 min 38 s
